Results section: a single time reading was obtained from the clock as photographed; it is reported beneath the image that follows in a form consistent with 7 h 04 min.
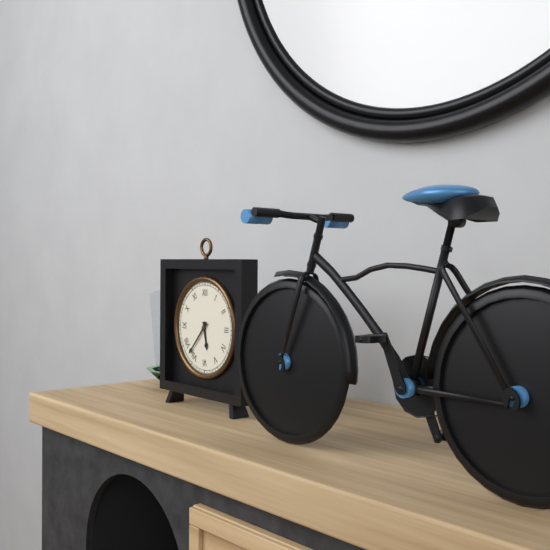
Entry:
5 h 37 min
